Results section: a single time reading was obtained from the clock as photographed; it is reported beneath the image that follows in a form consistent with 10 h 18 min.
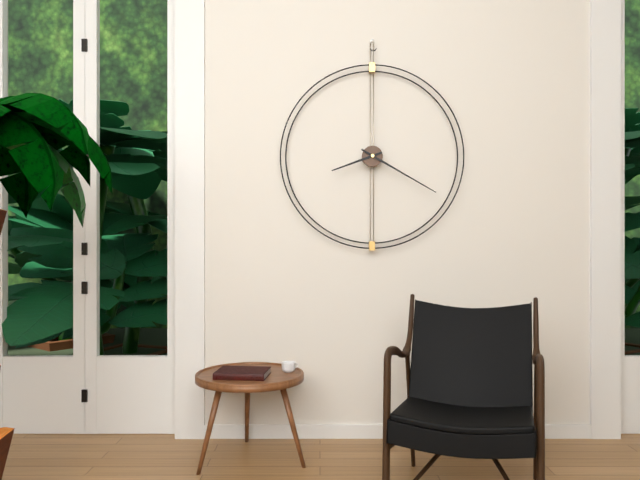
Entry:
8 h 20 min
